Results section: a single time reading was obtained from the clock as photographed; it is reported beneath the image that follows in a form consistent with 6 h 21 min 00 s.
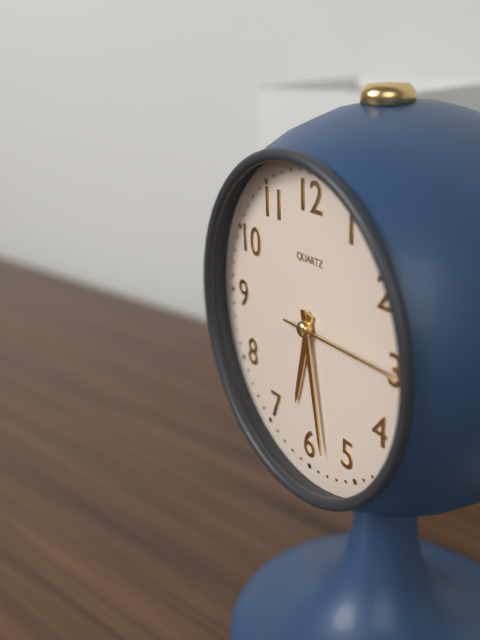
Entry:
6 h 28 min 15 s
